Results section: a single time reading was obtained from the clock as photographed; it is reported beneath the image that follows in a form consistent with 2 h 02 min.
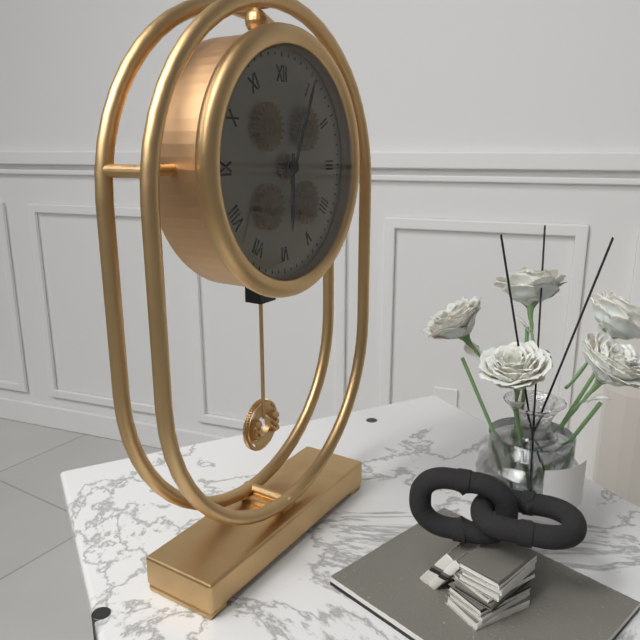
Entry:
6 h 04 min
